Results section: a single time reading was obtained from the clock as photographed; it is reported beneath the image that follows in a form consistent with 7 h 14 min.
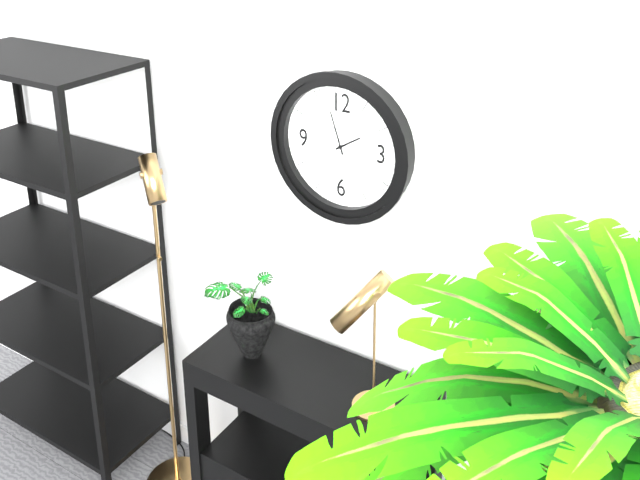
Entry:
1 h 57 min
